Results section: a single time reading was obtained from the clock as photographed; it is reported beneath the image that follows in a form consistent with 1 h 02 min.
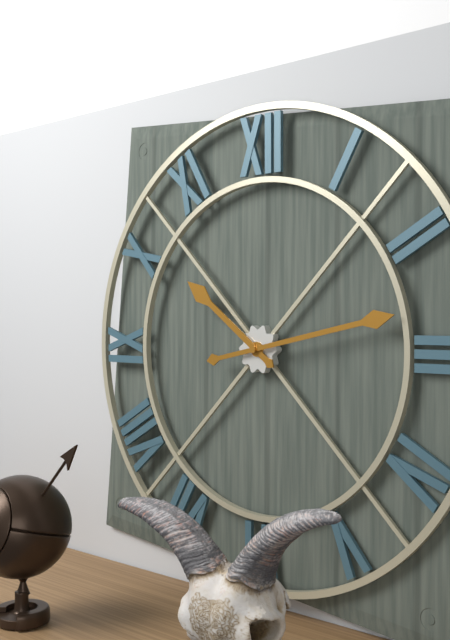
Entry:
10 h 13 min
